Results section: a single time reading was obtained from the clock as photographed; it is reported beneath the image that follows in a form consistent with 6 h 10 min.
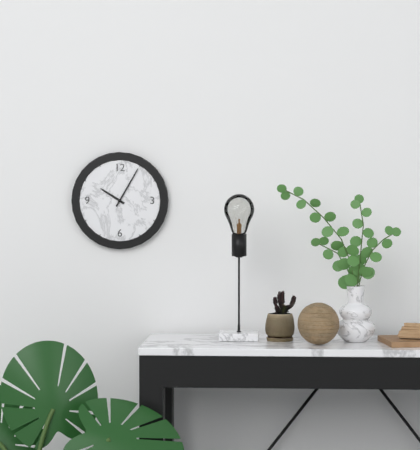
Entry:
10 h 05 min
